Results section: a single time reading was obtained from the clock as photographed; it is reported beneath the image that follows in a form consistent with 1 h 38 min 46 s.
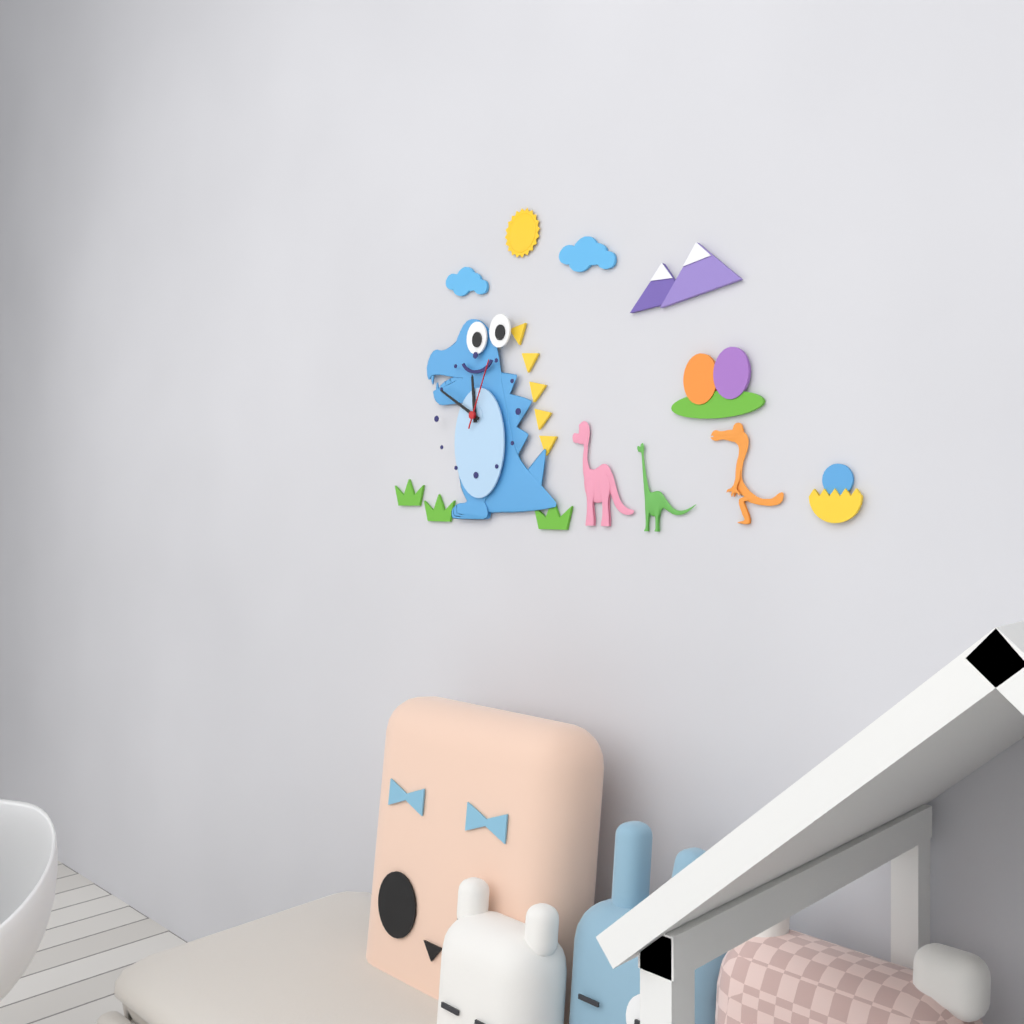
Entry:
11 h 50 min 04 s
